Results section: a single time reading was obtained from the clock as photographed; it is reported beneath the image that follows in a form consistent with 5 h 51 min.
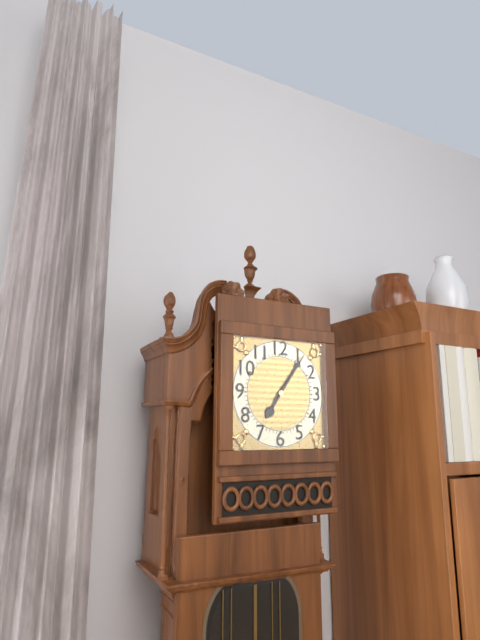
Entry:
7 h 06 min
